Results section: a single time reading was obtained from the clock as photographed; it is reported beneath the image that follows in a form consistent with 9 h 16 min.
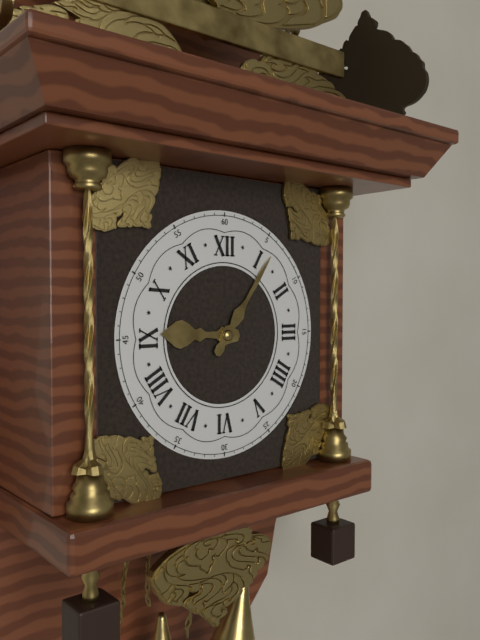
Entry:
9 h 06 min
